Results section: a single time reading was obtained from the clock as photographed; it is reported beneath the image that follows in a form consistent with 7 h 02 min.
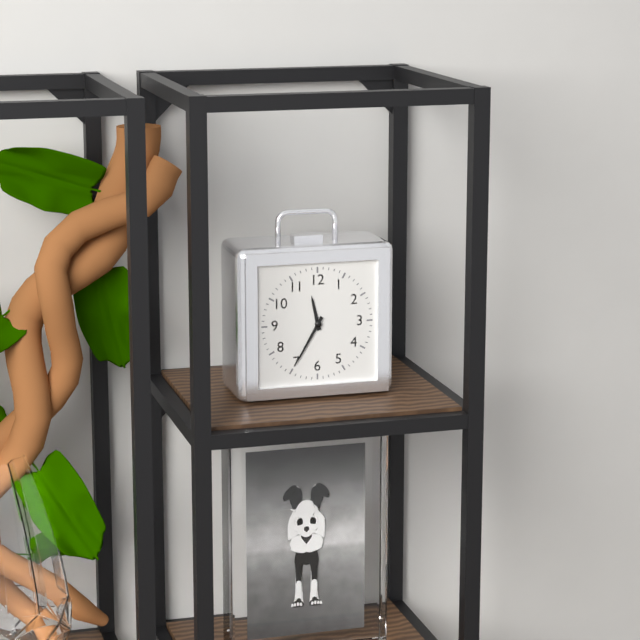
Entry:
11 h 35 min
